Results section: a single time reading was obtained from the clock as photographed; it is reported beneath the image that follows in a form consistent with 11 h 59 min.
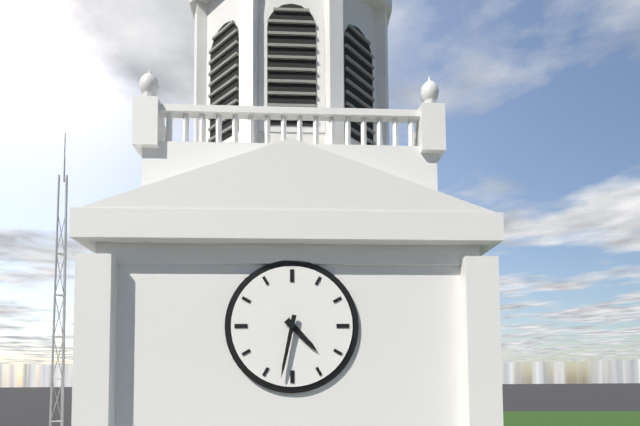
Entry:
4 h 32 min
